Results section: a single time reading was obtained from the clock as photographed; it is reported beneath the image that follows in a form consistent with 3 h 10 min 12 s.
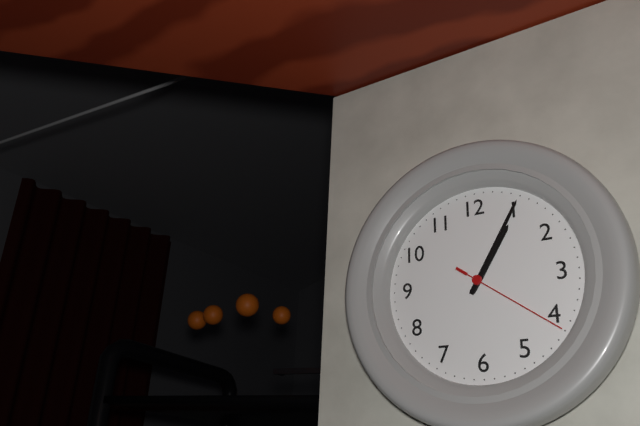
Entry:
1 h 05 min 21 s
